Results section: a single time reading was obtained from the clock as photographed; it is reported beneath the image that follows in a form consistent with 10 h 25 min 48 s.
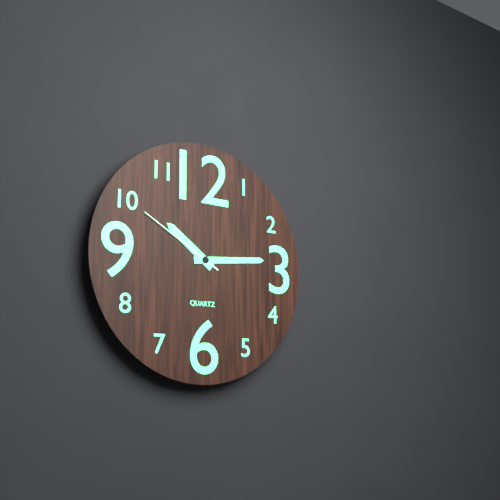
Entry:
10 h 14 min 50 s
